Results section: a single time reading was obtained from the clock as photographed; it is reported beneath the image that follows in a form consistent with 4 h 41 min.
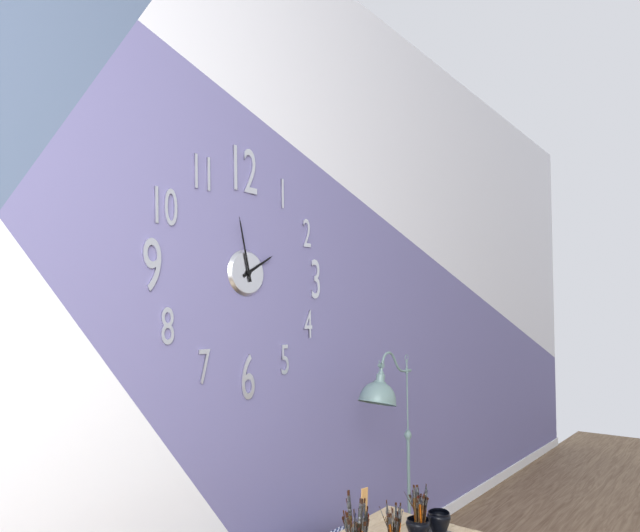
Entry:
1 h 58 min
